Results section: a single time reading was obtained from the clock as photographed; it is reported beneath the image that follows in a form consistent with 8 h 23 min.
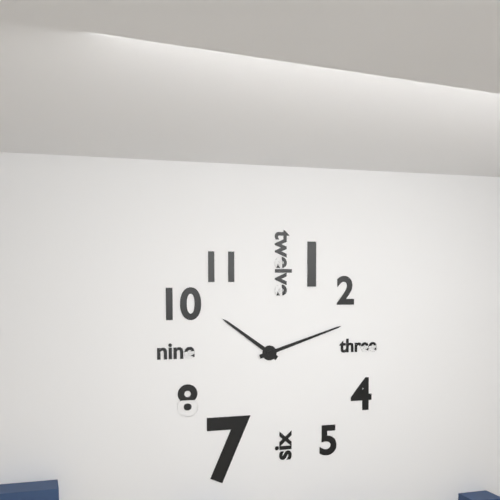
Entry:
10 h 12 min
